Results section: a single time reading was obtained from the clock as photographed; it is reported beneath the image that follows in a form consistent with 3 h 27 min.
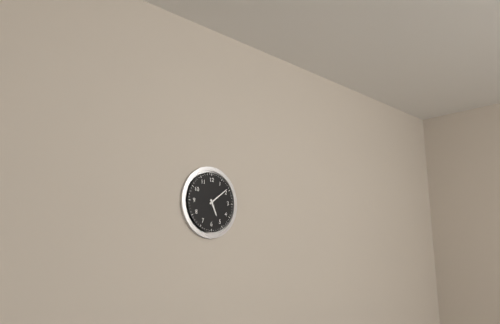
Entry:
5 h 09 min
